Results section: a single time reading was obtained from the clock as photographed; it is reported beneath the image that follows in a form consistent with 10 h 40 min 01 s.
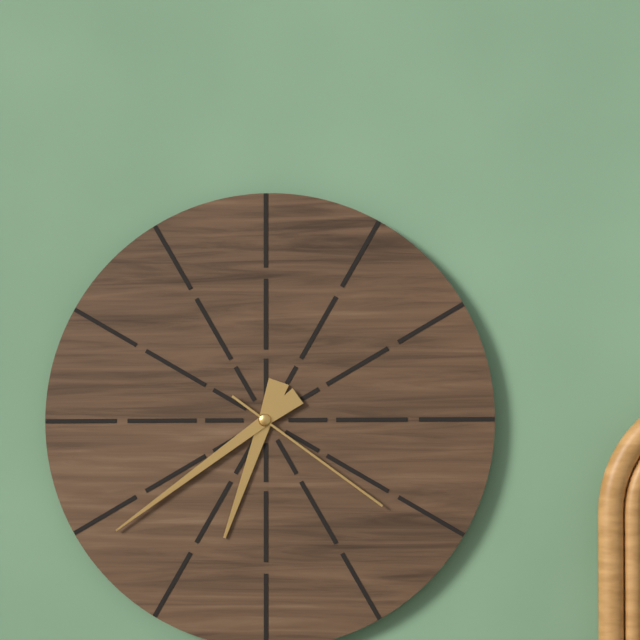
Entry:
6 h 39 min 21 s
